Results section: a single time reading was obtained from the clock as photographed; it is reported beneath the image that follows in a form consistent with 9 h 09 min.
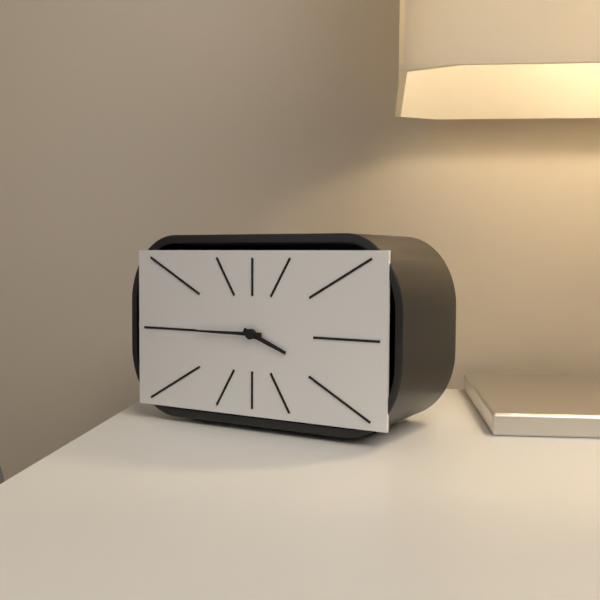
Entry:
3 h 45 min
